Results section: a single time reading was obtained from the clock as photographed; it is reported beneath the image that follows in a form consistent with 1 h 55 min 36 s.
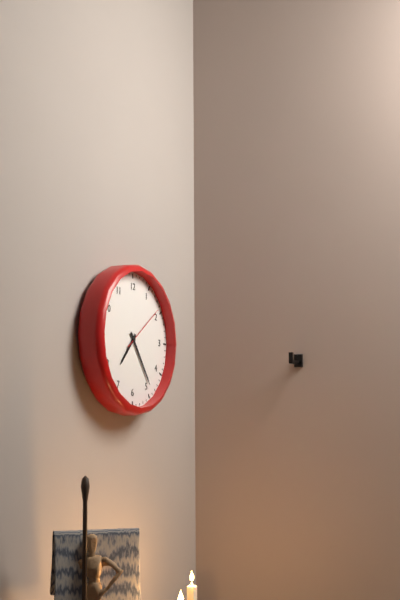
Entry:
7 h 24 min 09 s
